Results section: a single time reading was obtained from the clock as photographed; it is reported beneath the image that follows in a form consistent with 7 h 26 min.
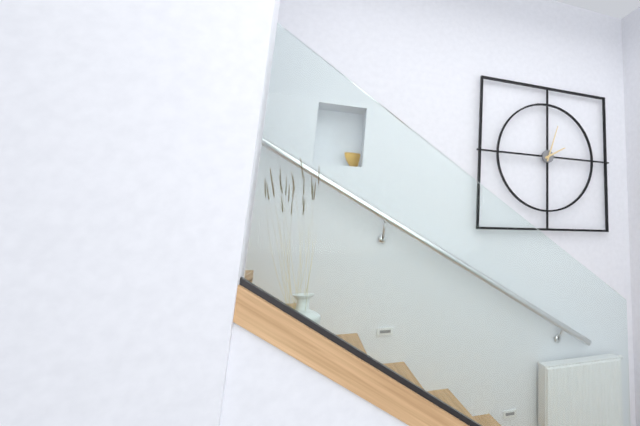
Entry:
2 h 03 min
